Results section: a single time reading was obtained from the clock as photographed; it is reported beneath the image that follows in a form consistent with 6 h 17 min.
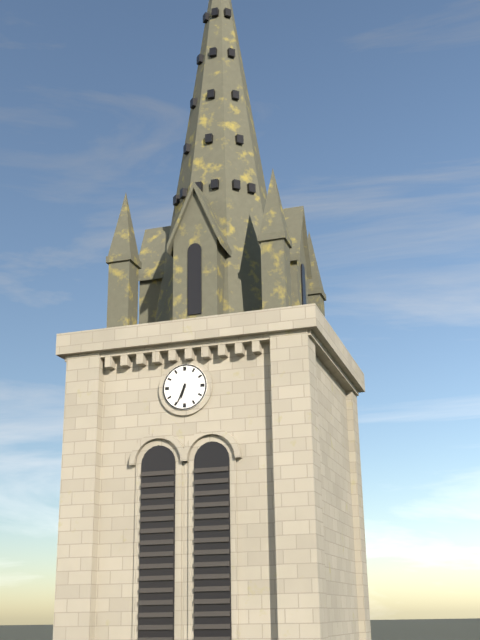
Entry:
6 h 34 min
